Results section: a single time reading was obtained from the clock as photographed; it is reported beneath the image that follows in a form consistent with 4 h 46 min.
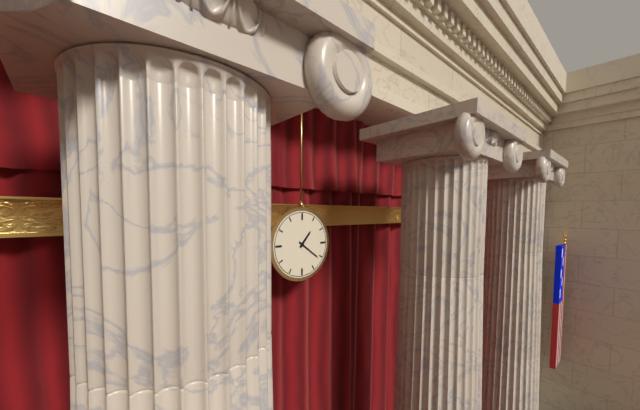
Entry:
1 h 21 min
